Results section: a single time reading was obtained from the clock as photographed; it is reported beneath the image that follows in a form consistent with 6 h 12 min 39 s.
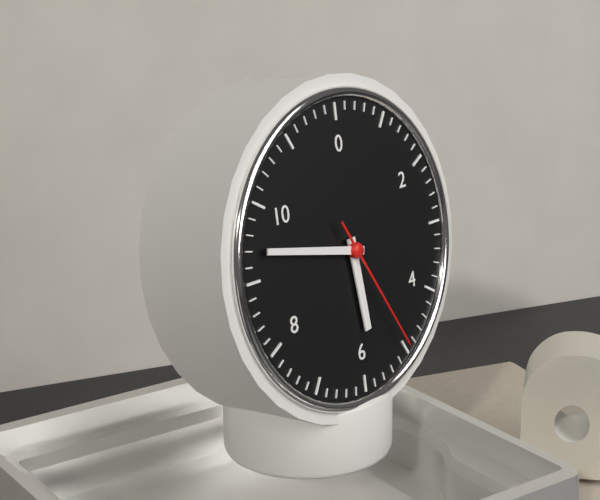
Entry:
5 h 47 min 25 s
